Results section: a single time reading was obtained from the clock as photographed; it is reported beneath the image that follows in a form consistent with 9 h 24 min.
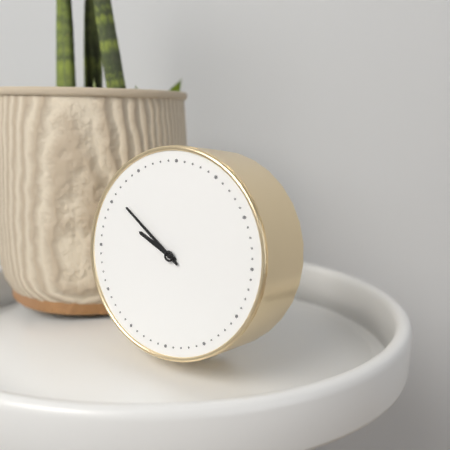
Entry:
9 h 51 min
